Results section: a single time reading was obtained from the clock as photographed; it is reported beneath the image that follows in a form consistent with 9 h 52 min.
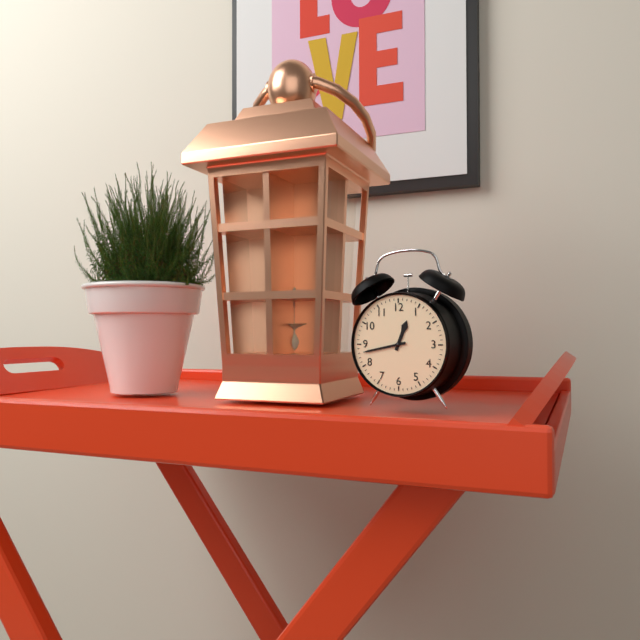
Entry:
12 h 43 min
